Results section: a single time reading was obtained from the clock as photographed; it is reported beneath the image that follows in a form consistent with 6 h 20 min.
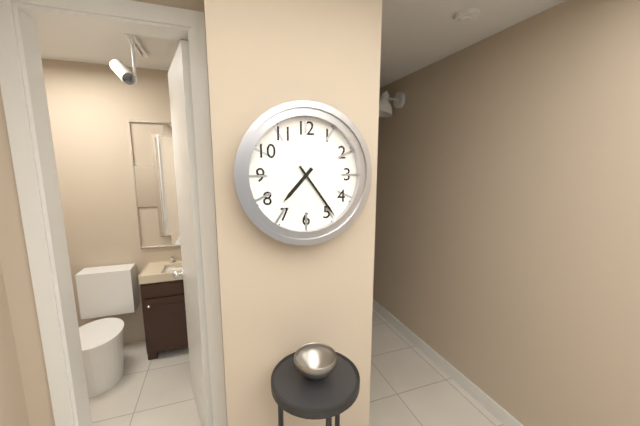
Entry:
7 h 24 min
